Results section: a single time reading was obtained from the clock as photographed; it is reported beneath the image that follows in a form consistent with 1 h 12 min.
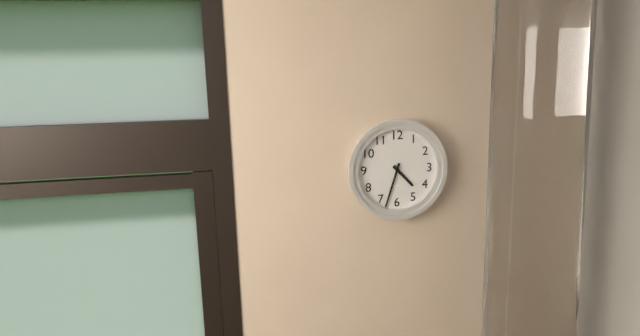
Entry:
4 h 33 min
